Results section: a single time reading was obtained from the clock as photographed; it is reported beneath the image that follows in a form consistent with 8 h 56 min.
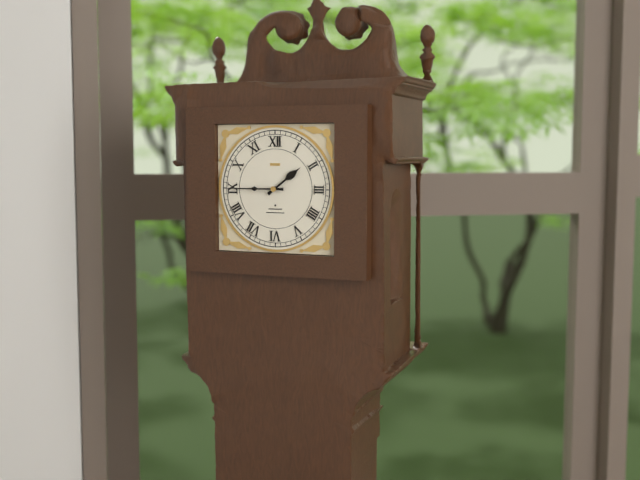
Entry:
1 h 45 min
